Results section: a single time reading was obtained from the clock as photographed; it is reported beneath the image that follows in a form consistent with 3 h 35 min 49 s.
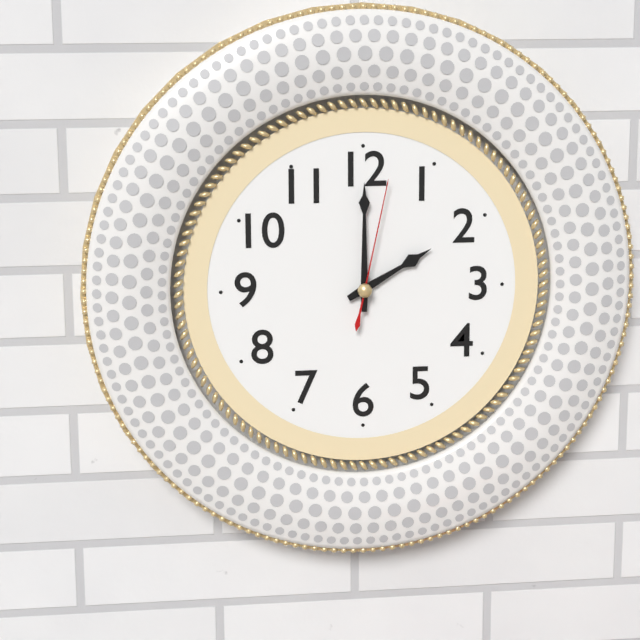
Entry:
2 h 00 min 02 s
